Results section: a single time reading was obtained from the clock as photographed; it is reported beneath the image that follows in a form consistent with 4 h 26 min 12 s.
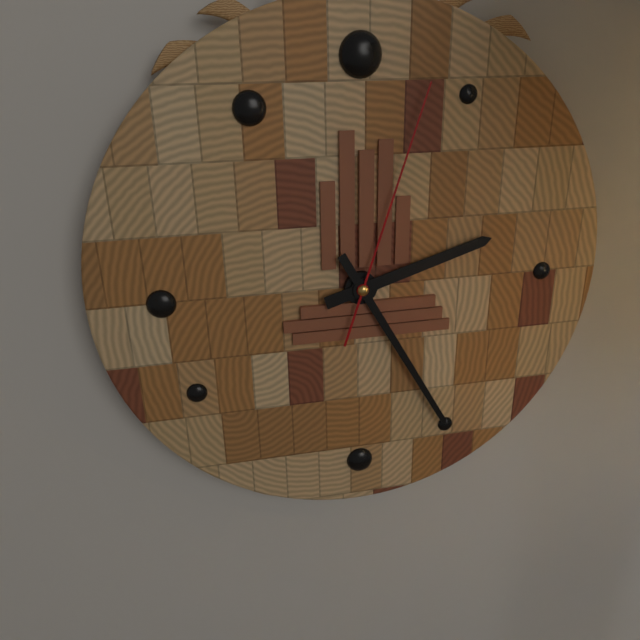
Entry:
2 h 25 min 03 s
